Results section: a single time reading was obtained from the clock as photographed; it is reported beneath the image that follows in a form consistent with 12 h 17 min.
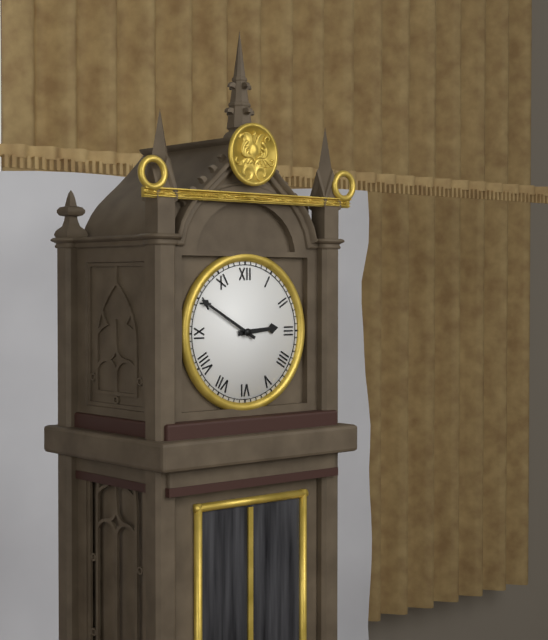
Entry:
2 h 50 min
